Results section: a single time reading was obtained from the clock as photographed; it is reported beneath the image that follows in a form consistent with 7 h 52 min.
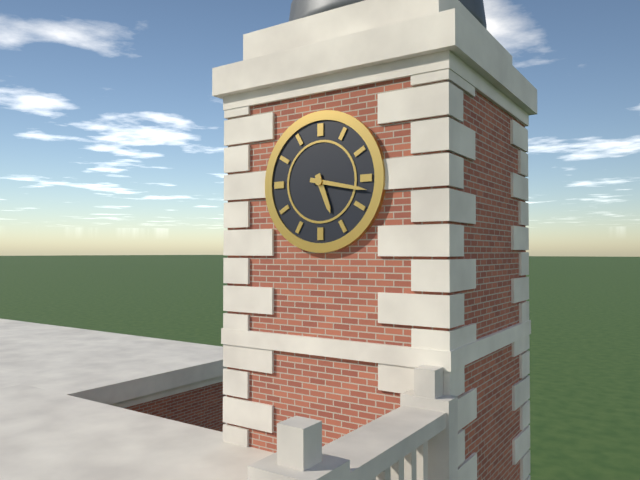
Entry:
5 h 17 min
